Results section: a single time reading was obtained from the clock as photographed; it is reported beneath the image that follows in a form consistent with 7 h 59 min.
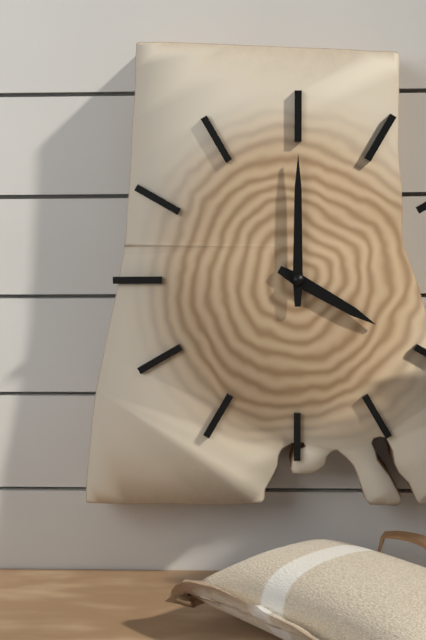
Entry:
4 h 00 min
